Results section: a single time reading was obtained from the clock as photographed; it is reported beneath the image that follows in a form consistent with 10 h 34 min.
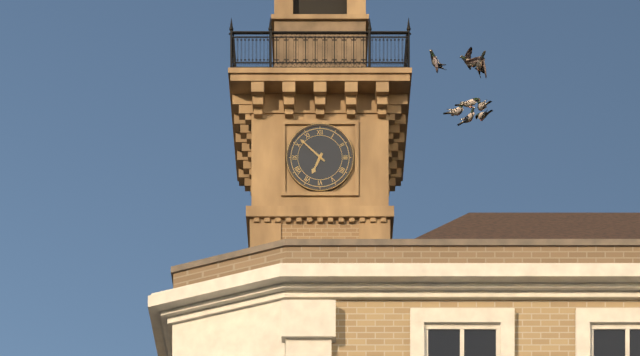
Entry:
6 h 52 min
